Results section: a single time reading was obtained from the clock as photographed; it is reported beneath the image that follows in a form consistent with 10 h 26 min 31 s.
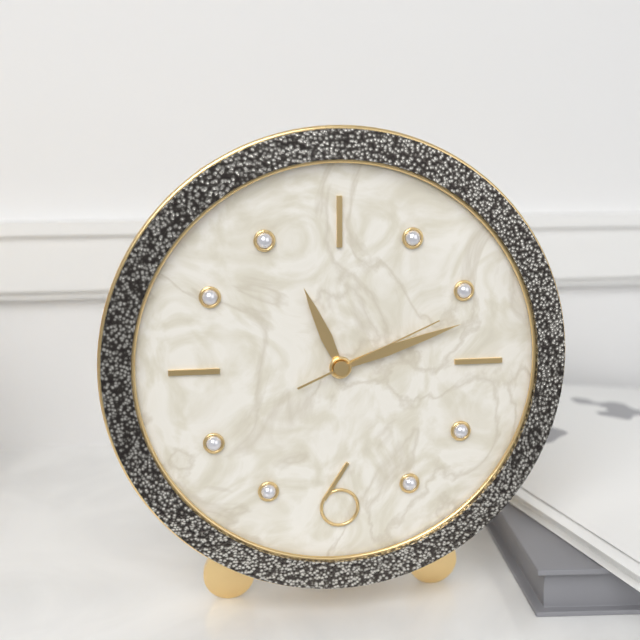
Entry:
11 h 12 min 11 s
